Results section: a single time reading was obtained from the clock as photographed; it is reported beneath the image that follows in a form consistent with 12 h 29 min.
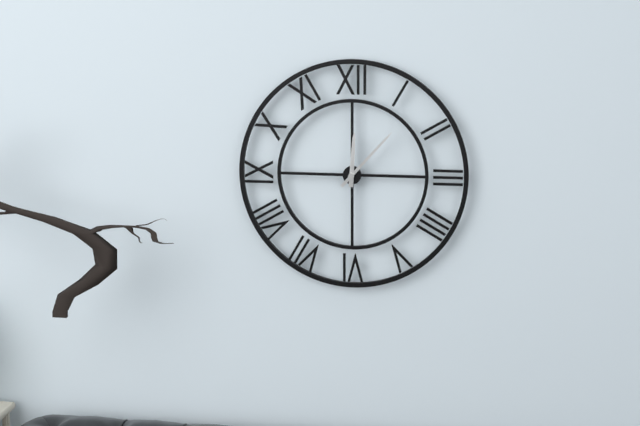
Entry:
12 h 07 min
